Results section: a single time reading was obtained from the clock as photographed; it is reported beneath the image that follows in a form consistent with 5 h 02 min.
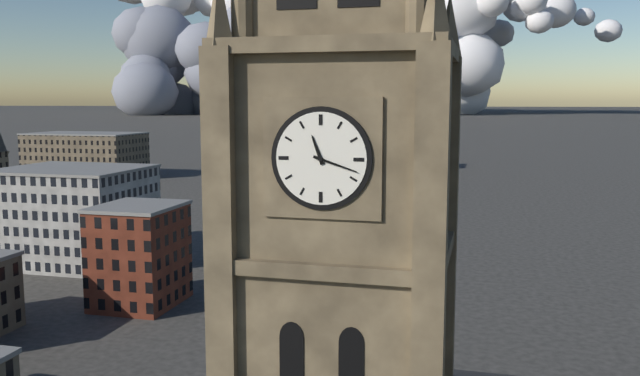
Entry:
11 h 18 min
